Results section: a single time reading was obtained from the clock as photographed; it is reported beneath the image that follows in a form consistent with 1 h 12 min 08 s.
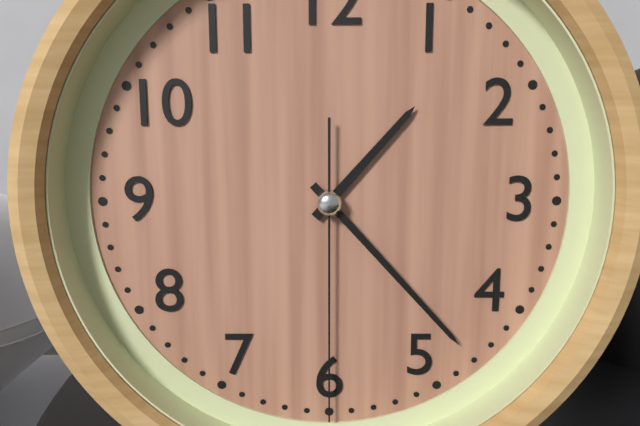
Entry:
1 h 23 min 30 s
